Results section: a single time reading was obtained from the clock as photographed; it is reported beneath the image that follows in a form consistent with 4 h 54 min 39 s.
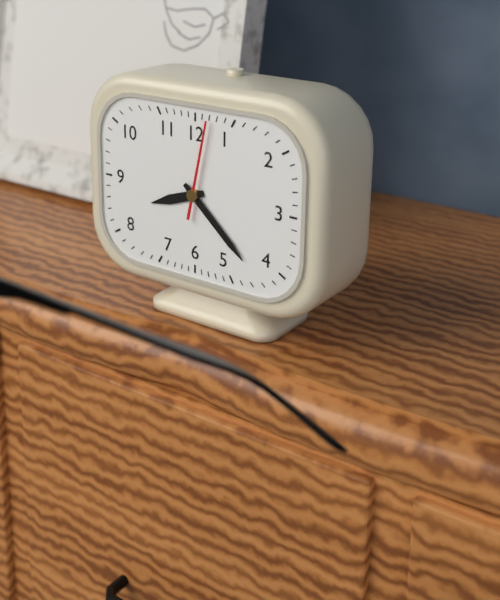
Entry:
8 h 22 min 02 s
